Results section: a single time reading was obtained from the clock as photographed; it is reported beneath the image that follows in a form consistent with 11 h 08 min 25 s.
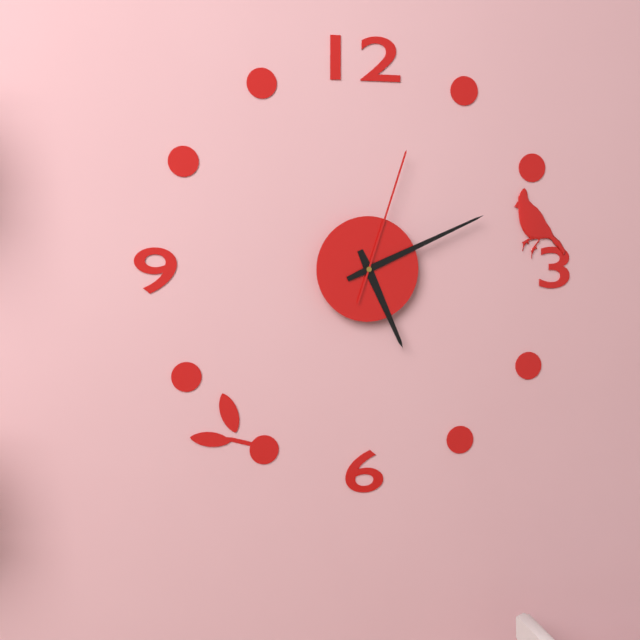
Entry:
5 h 11 min 03 s
